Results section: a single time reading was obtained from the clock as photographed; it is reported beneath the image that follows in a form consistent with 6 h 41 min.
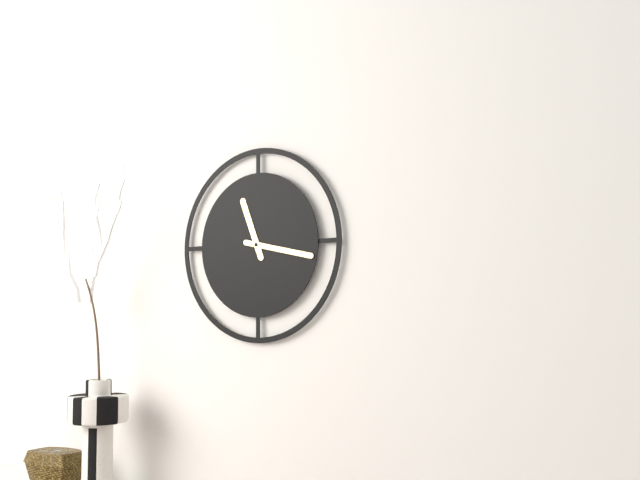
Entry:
11 h 17 min
